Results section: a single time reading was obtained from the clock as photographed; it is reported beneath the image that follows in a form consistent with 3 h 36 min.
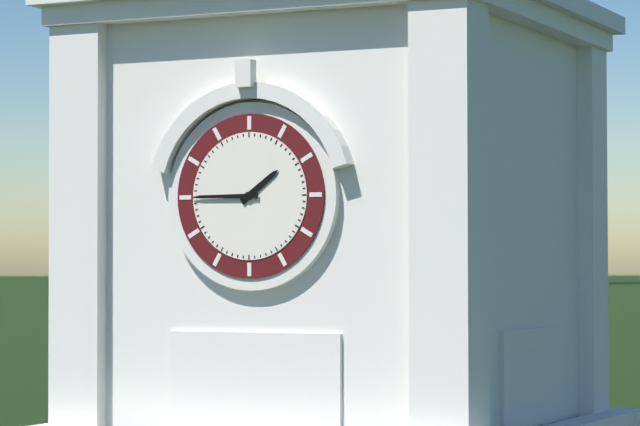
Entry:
1 h 45 min
